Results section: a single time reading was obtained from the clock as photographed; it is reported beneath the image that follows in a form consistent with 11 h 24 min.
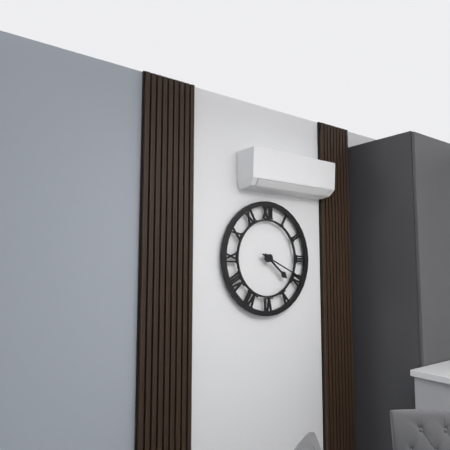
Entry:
4 h 19 min
